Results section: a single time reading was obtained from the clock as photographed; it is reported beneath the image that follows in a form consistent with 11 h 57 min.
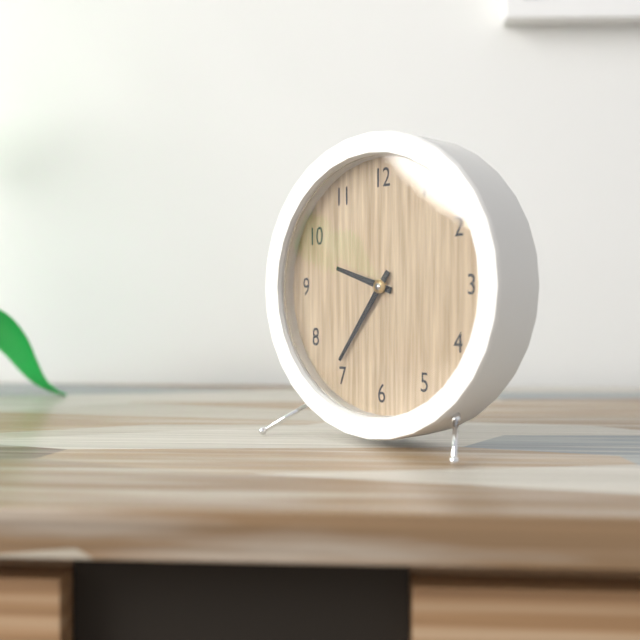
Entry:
9 h 36 min
